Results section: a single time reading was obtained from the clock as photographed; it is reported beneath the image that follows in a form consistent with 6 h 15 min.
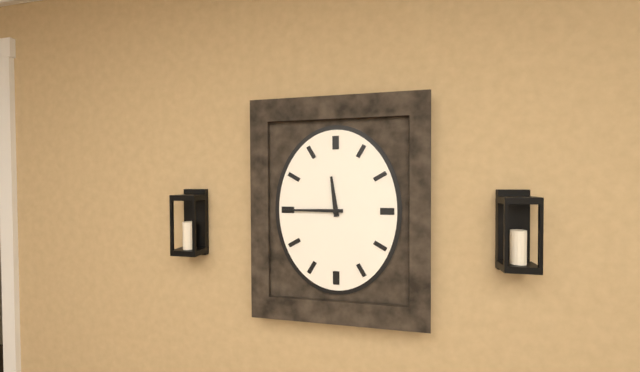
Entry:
11 h 45 min
